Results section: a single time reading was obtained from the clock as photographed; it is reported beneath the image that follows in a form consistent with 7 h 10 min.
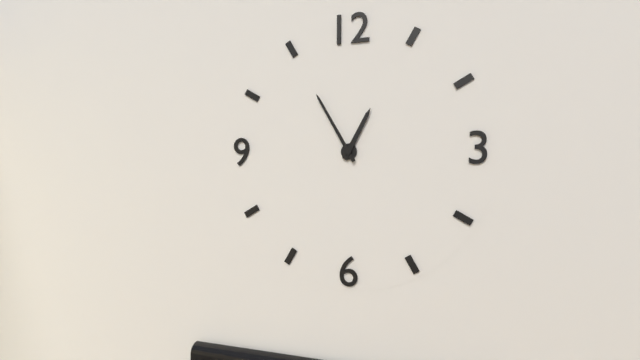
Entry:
12 h 55 min
